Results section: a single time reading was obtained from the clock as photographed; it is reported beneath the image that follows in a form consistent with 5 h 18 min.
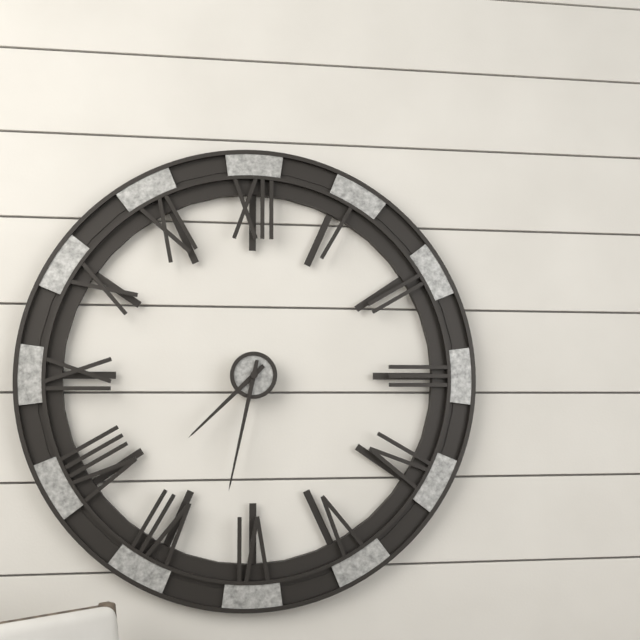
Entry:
7 h 32 min
